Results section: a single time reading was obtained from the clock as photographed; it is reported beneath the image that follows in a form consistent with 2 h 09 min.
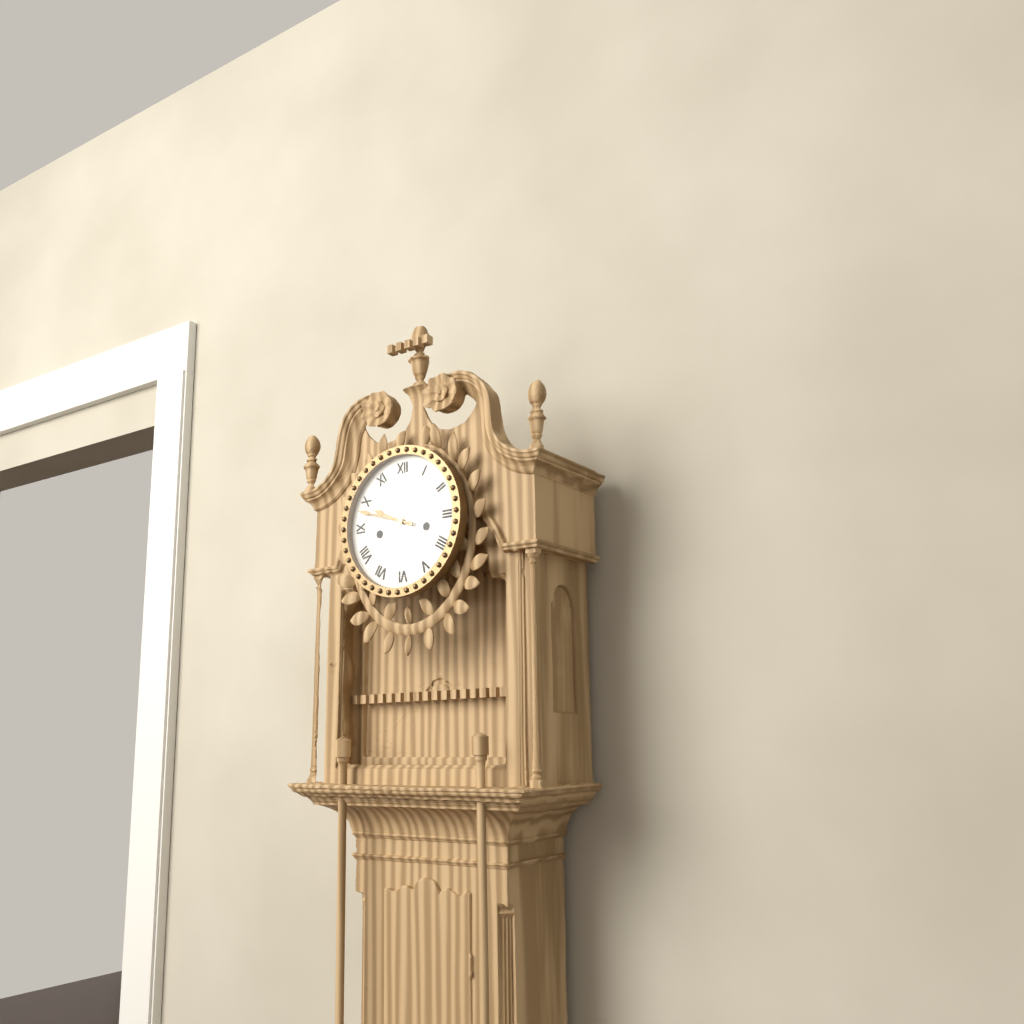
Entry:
9 h 48 min
